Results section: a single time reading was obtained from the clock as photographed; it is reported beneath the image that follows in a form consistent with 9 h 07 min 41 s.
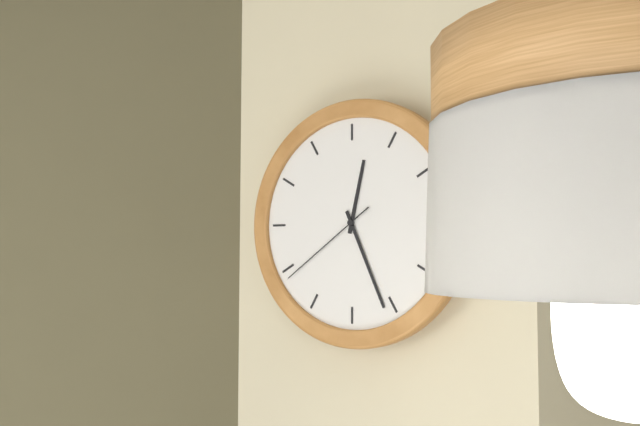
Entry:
12 h 26 min 39 s
